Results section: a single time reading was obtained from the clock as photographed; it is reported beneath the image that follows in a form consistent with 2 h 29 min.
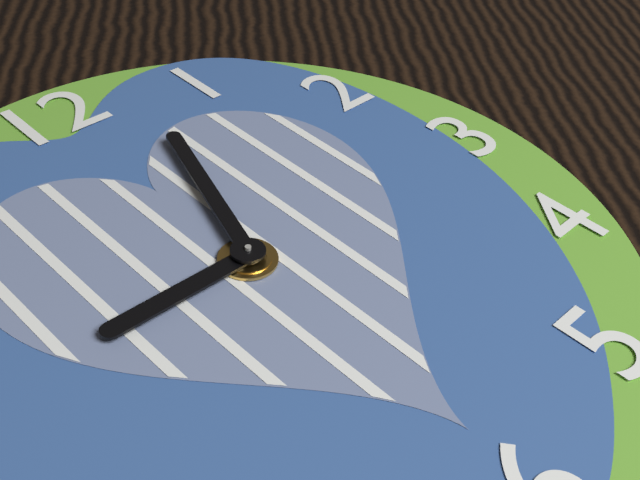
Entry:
9 h 03 min
